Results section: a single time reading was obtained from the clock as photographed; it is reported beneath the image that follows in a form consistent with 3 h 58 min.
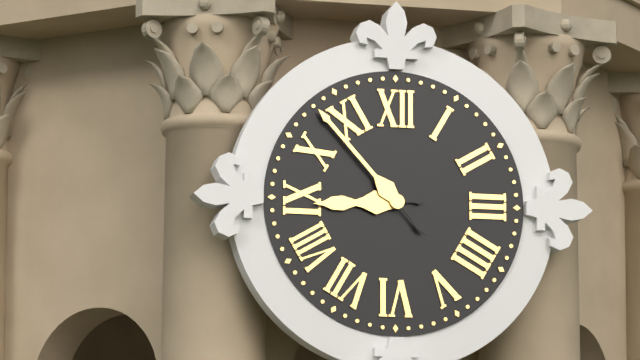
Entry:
8 h 53 min
